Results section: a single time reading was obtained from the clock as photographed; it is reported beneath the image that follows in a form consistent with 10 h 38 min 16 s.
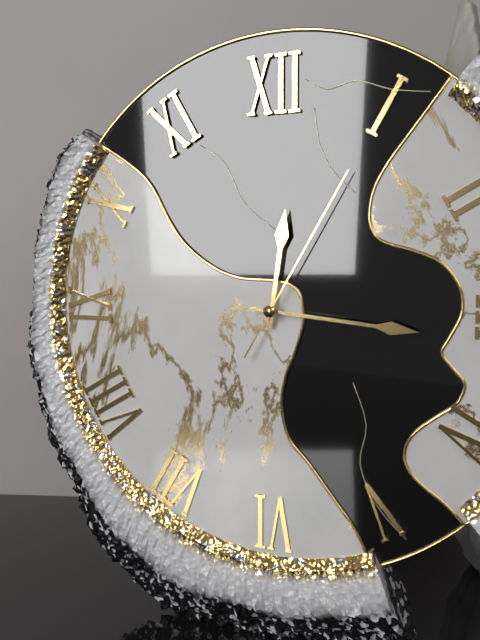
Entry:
12 h 16 min 05 s
